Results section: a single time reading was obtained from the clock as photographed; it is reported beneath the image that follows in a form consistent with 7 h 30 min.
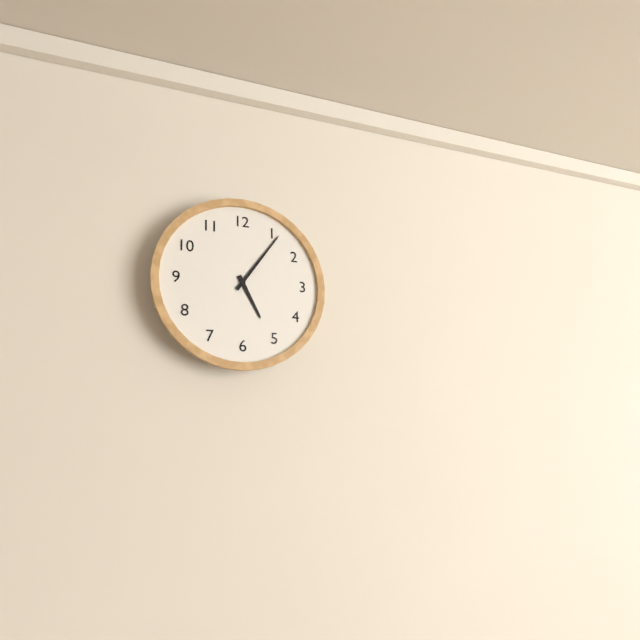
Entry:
5 h 06 min
